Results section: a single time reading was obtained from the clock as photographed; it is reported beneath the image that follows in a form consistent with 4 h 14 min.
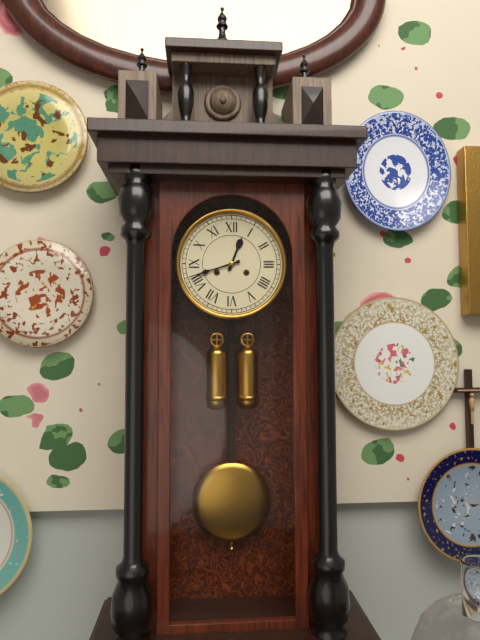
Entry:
12 h 42 min
